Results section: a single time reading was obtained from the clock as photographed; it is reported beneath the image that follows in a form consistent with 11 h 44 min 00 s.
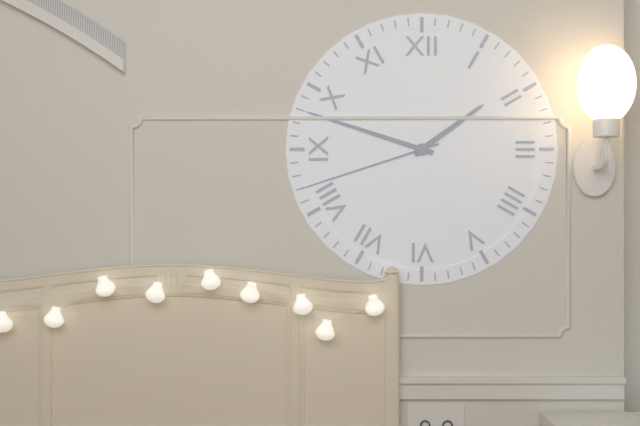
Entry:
1 h 48 min 42 s
